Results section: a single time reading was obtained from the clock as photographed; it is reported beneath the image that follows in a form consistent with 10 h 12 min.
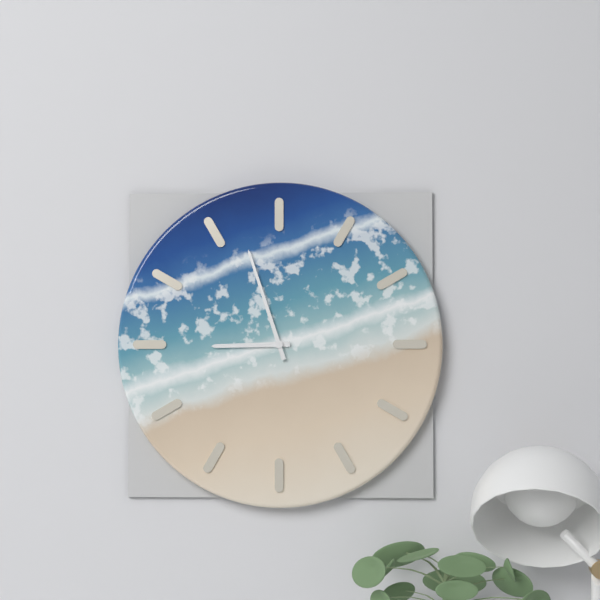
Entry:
8 h 57 min
